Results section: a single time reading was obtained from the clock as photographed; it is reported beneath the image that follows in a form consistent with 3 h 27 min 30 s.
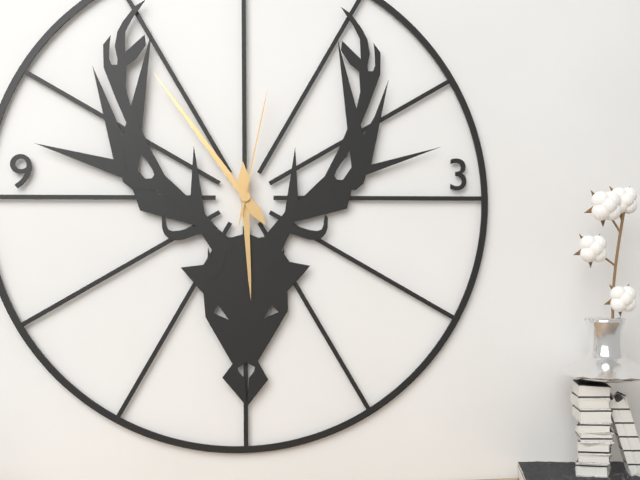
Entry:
5 h 54 min 02 s
